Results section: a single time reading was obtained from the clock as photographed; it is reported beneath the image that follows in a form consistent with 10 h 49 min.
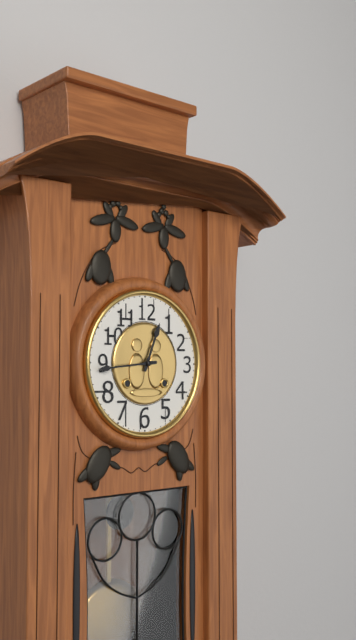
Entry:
12 h 44 min
